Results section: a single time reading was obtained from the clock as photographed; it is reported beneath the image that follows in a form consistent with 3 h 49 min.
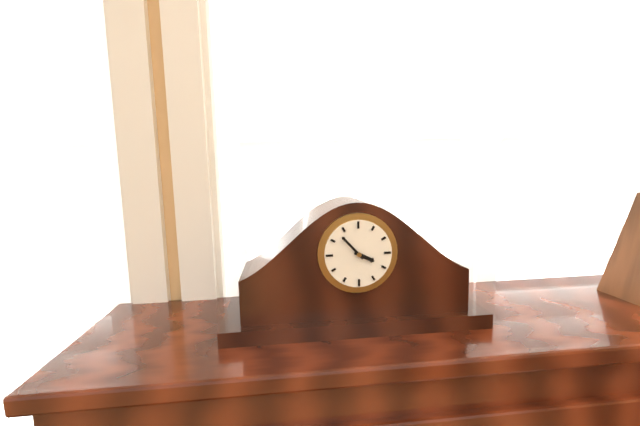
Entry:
3 h 53 min
